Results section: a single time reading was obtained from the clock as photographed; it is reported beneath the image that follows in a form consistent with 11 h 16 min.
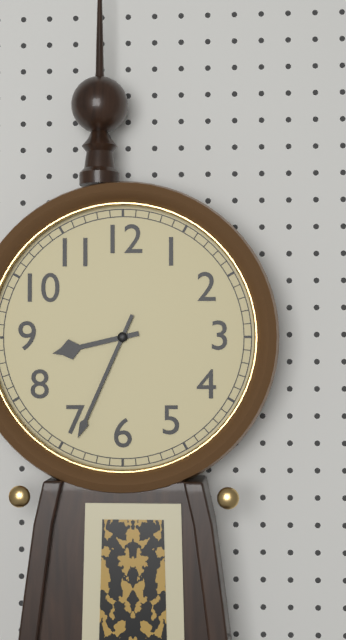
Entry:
8 h 34 min
